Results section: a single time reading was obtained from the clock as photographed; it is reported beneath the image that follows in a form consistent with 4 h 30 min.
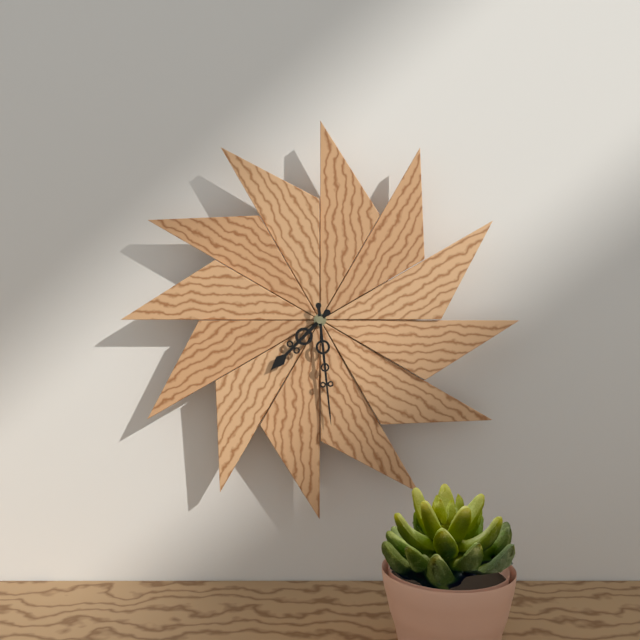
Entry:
7 h 29 min
